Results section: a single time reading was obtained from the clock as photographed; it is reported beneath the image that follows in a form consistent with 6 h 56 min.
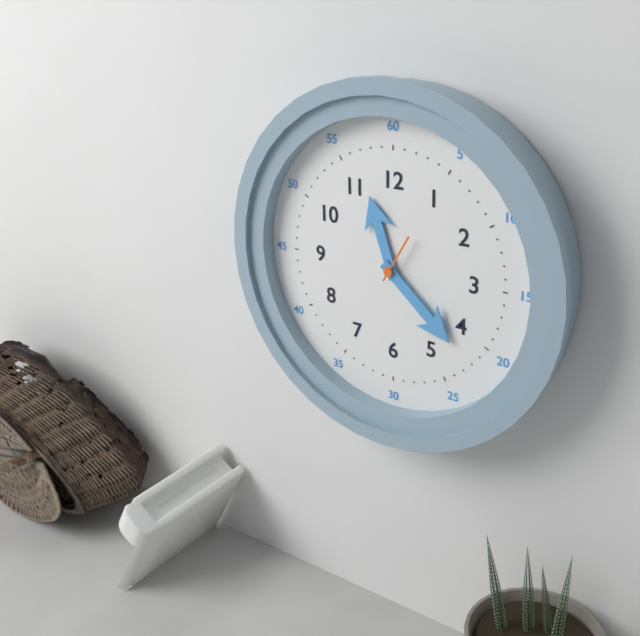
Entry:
11 h 22 min
